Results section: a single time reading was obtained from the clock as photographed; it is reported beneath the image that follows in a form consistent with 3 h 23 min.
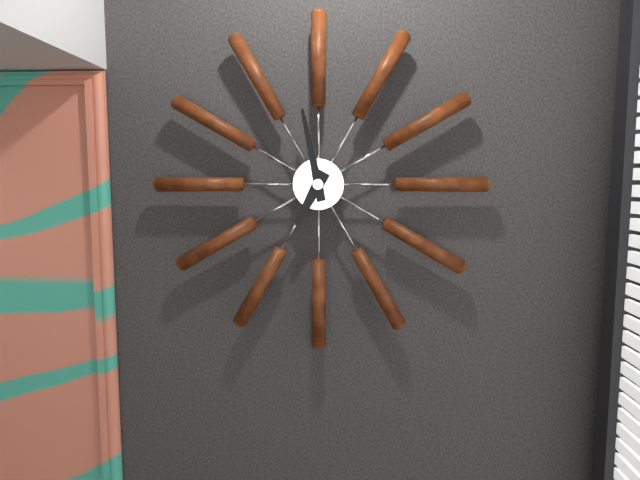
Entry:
6 h 58 min
